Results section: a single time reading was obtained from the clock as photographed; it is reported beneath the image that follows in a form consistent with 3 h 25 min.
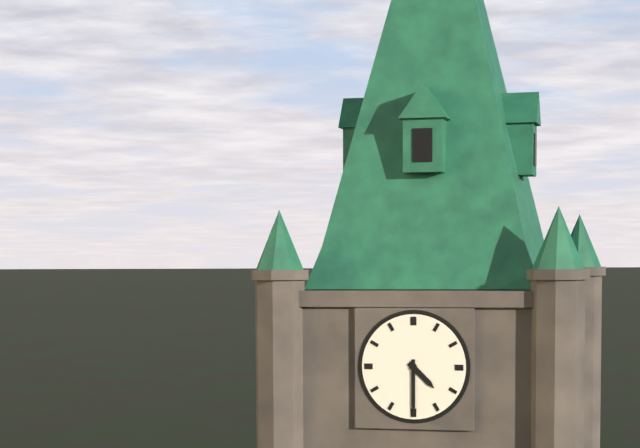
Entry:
4 h 30 min
